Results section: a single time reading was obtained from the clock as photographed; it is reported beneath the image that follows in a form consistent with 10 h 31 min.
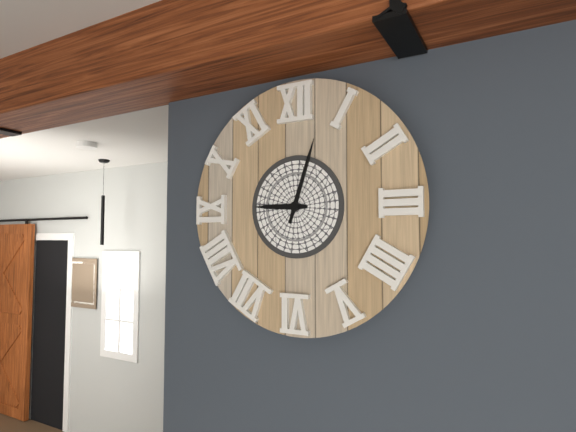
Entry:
9 h 03 min
